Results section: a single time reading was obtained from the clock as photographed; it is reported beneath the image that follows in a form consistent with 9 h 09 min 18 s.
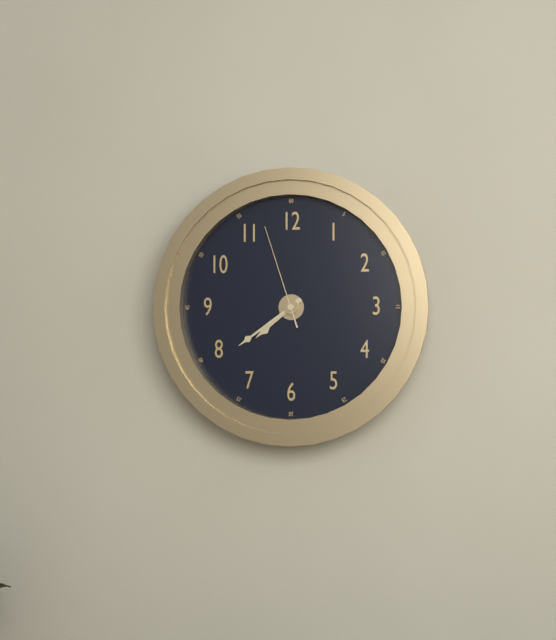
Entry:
7 h 39 min 57 s
